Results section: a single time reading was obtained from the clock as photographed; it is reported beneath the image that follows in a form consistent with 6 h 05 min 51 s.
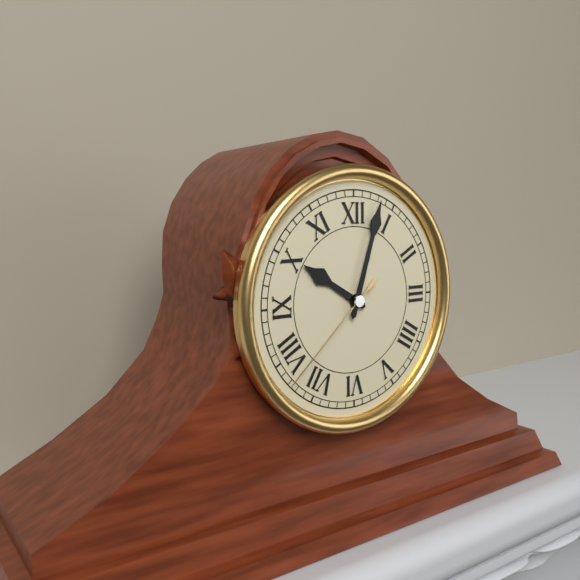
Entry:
10 h 03 min 38 s
